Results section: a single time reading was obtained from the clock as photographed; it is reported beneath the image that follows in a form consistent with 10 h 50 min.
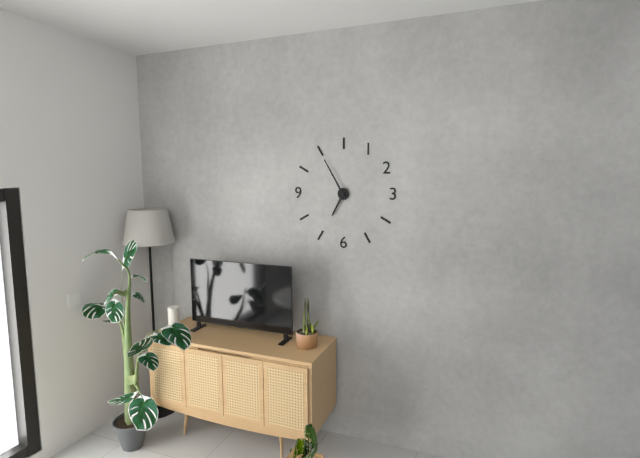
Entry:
6 h 55 min
